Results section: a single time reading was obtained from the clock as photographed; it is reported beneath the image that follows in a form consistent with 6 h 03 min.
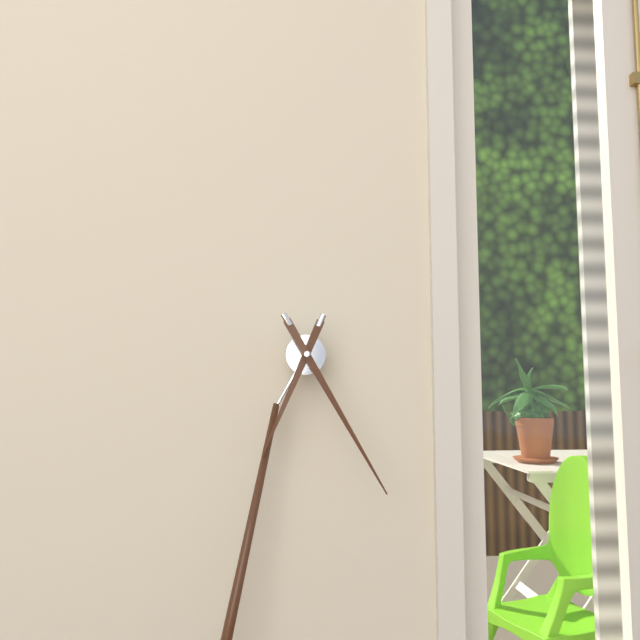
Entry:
6 h 23 min
